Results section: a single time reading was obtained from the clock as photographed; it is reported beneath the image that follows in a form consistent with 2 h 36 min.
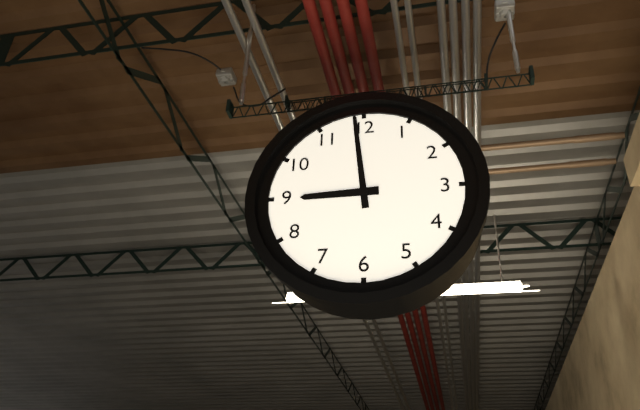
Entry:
8 h 59 min
